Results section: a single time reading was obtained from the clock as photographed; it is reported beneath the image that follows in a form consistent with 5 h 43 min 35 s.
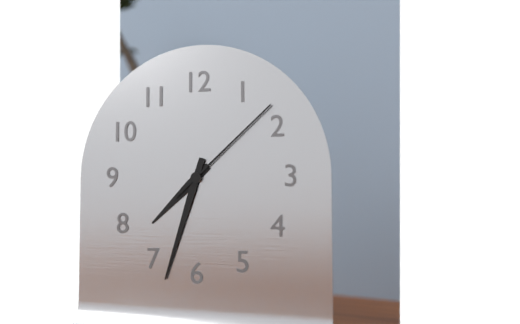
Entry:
7 h 33 min 08 s
